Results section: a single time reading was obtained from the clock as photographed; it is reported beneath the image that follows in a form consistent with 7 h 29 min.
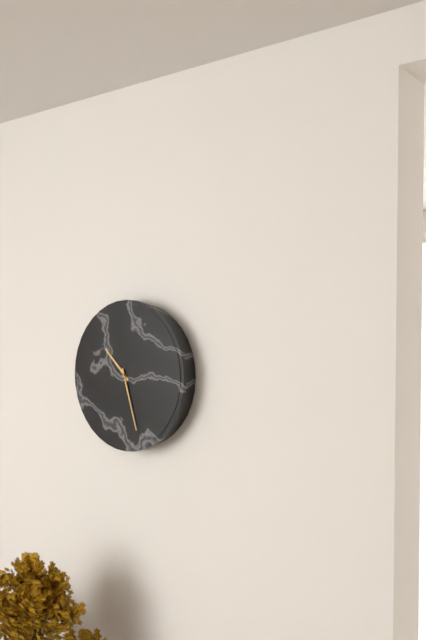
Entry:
10 h 27 min
